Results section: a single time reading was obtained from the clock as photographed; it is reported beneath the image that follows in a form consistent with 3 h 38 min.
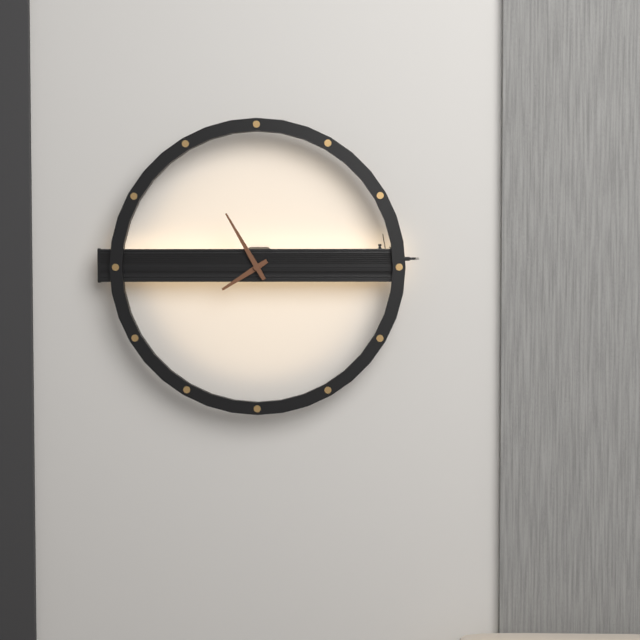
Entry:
7 h 55 min
